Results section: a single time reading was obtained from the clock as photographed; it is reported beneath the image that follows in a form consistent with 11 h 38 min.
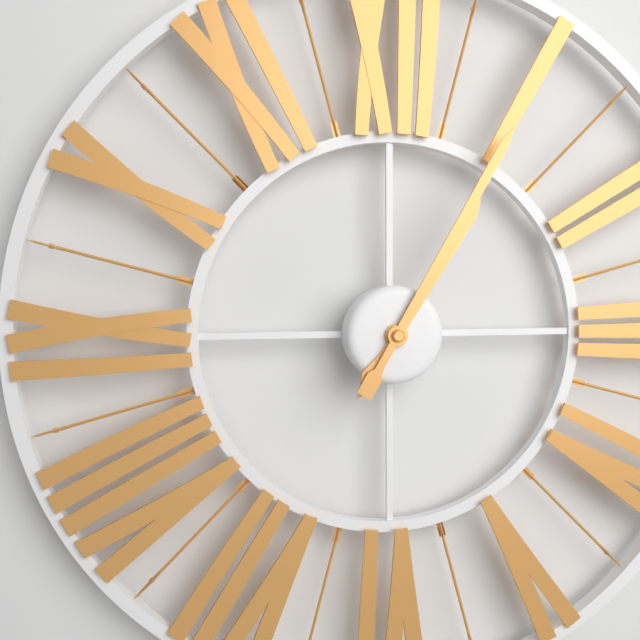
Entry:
1 h 05 min
